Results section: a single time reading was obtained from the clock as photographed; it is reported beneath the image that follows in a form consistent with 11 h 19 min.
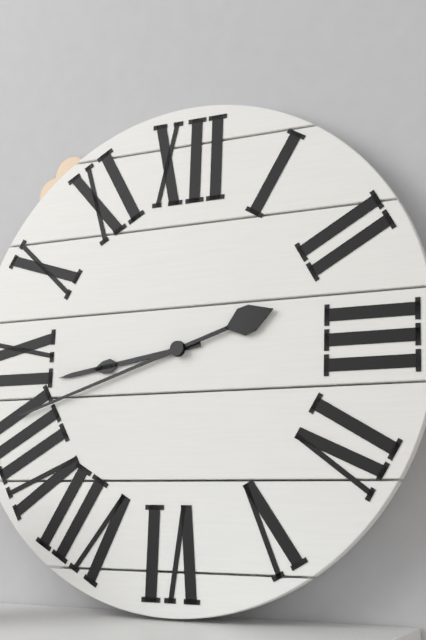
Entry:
8 h 42 min
